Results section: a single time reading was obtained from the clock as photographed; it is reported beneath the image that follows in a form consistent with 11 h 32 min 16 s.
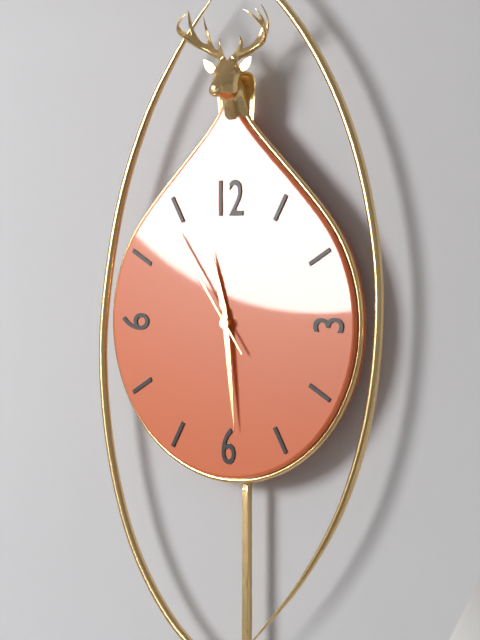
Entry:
11 h 29 min 54 s
